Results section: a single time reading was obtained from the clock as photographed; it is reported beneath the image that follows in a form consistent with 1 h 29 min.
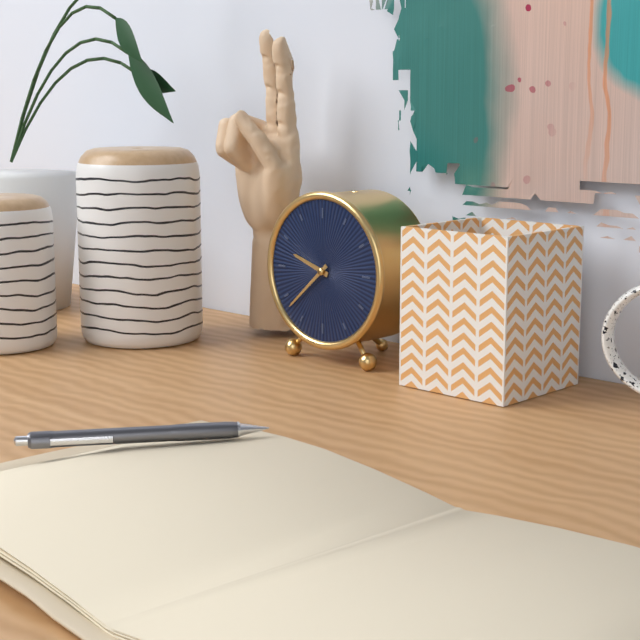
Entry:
9 h 38 min
